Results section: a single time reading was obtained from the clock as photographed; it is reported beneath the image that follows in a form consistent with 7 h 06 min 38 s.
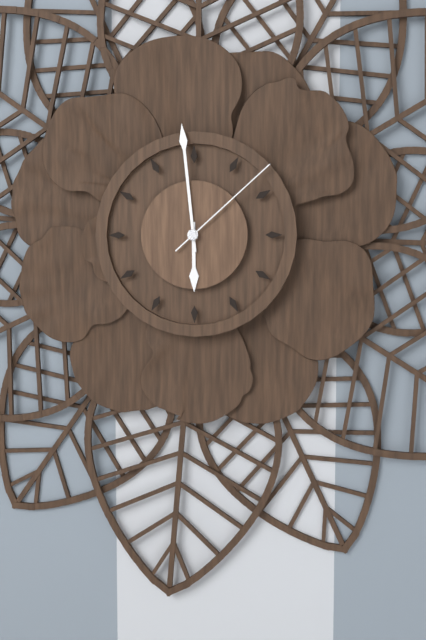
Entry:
5 h 59 min 08 s
